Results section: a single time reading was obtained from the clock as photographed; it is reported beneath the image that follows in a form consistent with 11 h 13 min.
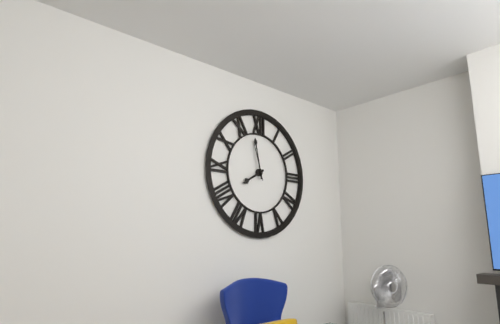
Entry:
7 h 58 min
